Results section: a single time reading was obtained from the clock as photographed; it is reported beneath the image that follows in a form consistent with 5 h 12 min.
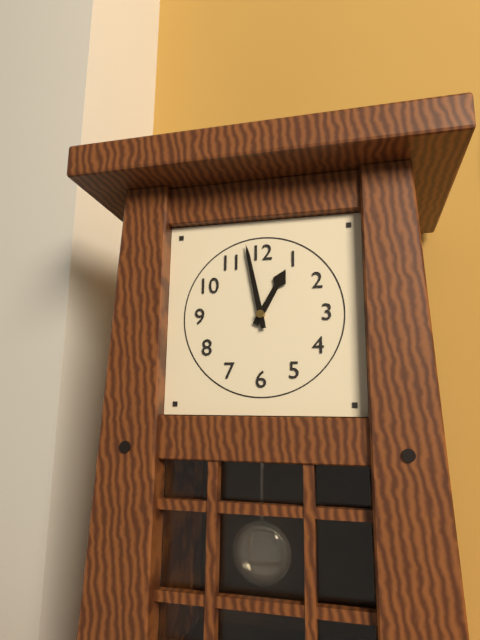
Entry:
12 h 58 min
